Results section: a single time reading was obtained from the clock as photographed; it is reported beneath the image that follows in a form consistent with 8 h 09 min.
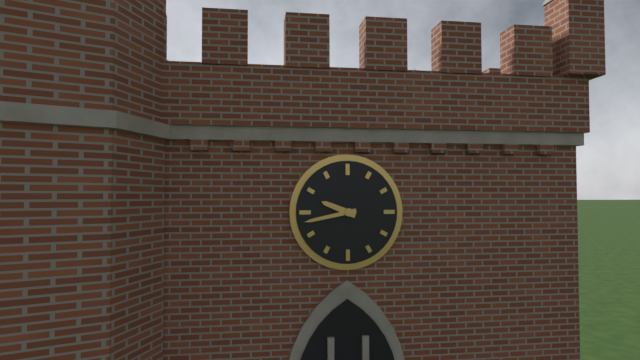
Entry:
9 h 43 min
